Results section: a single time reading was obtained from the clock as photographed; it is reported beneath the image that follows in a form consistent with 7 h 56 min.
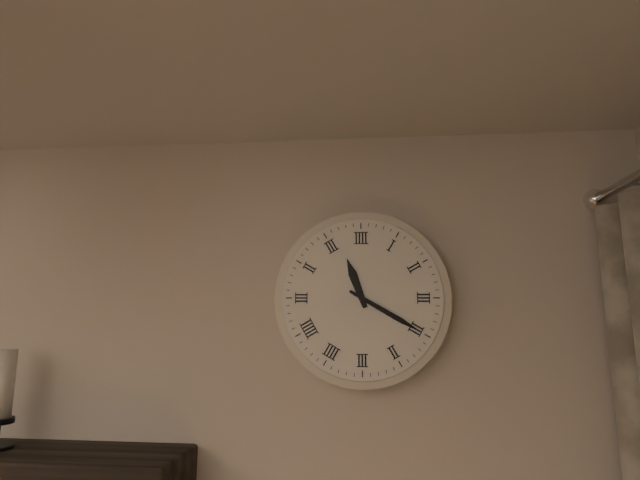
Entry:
11 h 20 min
